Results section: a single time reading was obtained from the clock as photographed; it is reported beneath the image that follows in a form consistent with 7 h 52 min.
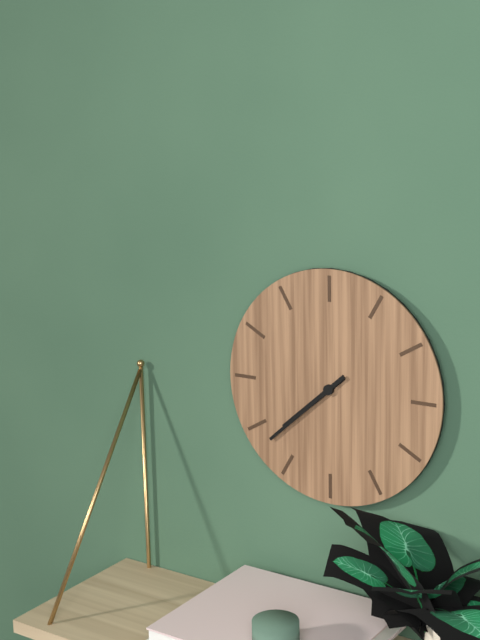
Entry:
7 h 38 min
